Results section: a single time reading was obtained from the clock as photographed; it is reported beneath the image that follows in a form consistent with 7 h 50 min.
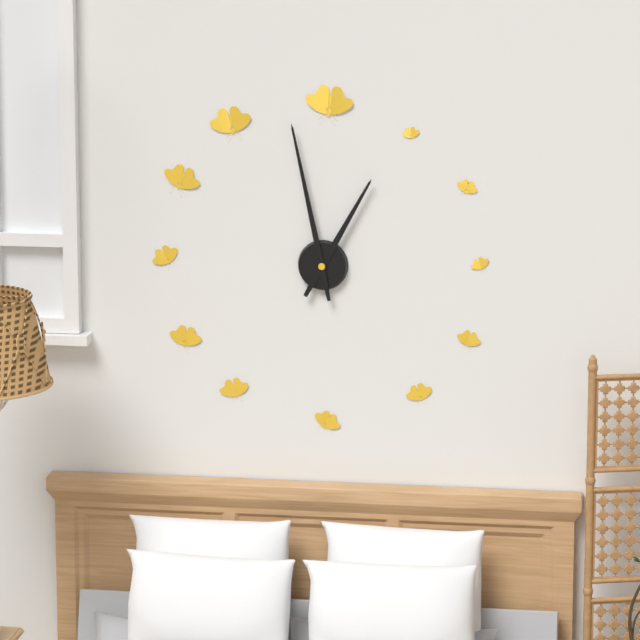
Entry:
12 h 58 min
